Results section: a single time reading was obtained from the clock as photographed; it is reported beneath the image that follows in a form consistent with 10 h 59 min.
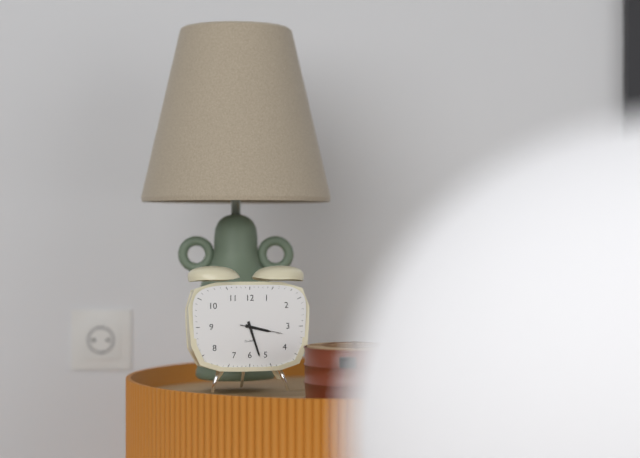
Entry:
3 h 27 min
